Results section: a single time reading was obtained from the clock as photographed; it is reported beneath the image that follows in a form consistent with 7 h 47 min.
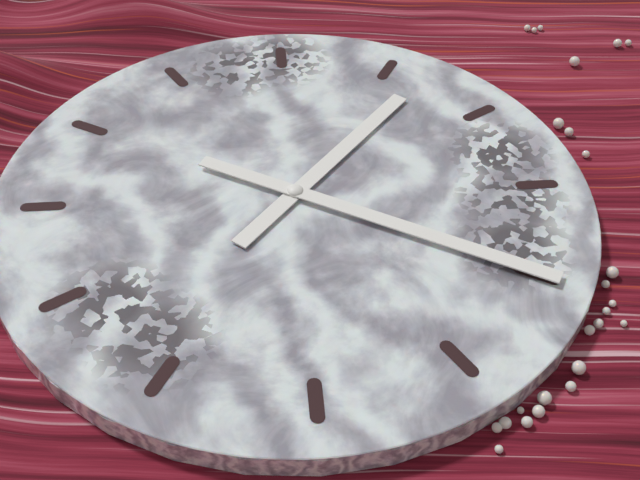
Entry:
1 h 20 min
